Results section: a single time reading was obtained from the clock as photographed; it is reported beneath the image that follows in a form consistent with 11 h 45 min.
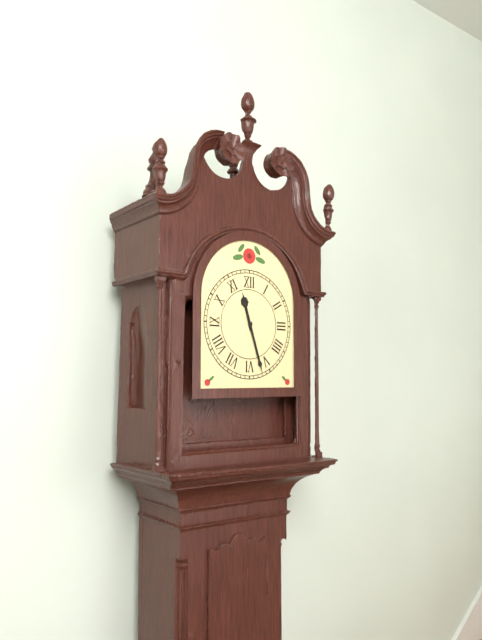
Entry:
11 h 27 min
